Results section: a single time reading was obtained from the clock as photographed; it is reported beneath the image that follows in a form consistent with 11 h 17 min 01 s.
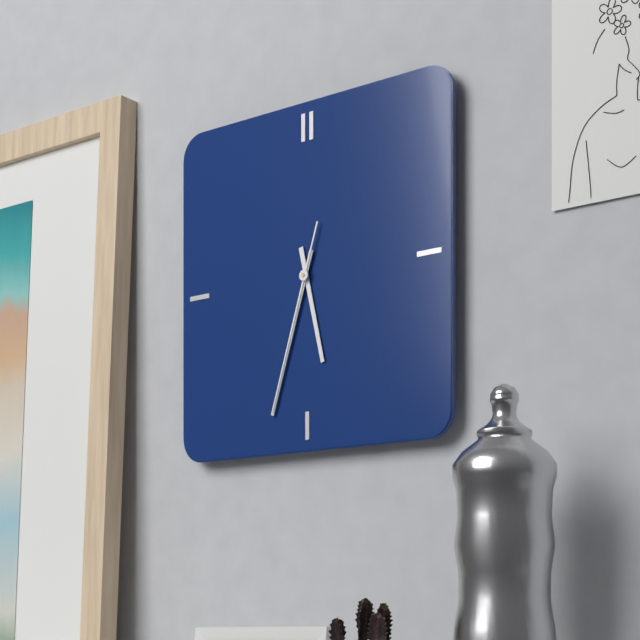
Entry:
5 h 33 min 33 s
